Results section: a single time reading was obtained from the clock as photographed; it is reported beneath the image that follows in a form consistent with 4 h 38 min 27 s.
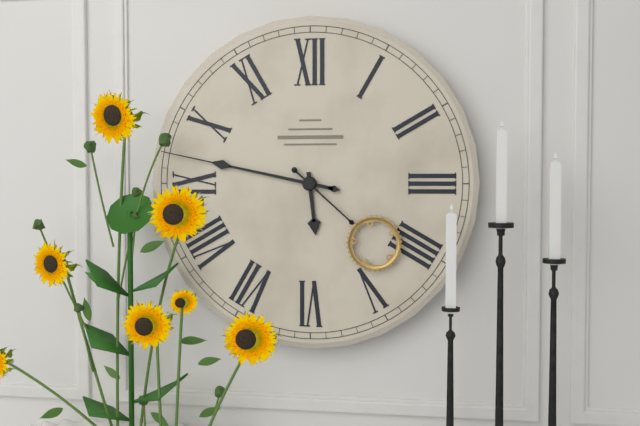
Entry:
5 h 47 min 22 s
